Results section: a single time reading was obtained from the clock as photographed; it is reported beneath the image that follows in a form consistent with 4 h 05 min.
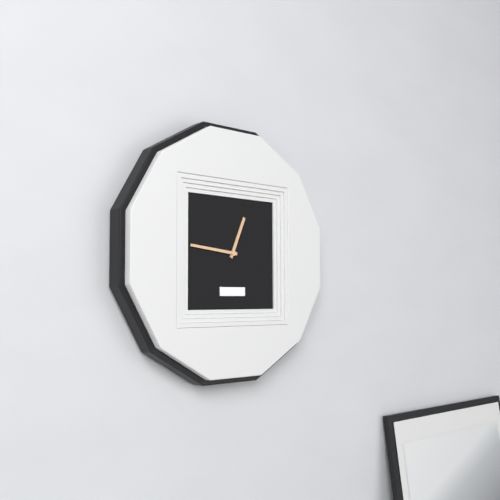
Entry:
12 h 46 min
